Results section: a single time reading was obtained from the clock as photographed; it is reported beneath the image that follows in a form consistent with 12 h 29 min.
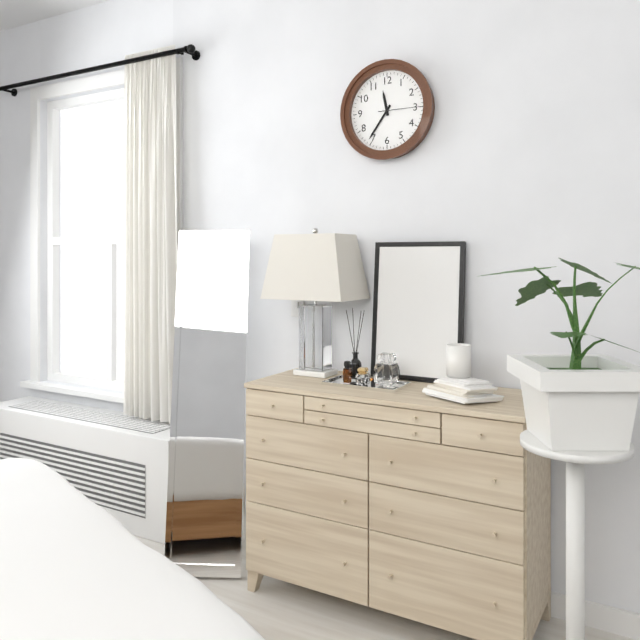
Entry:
11 h 36 min
